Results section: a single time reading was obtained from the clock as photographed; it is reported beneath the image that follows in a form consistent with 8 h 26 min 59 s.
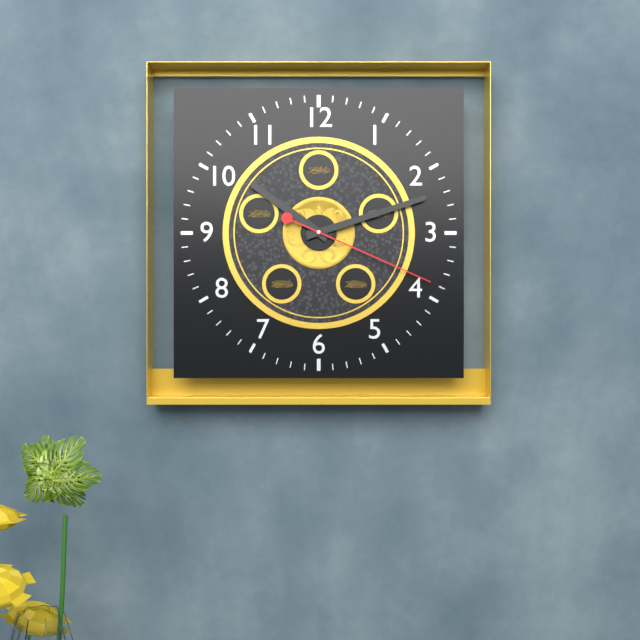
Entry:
10 h 12 min 19 s
